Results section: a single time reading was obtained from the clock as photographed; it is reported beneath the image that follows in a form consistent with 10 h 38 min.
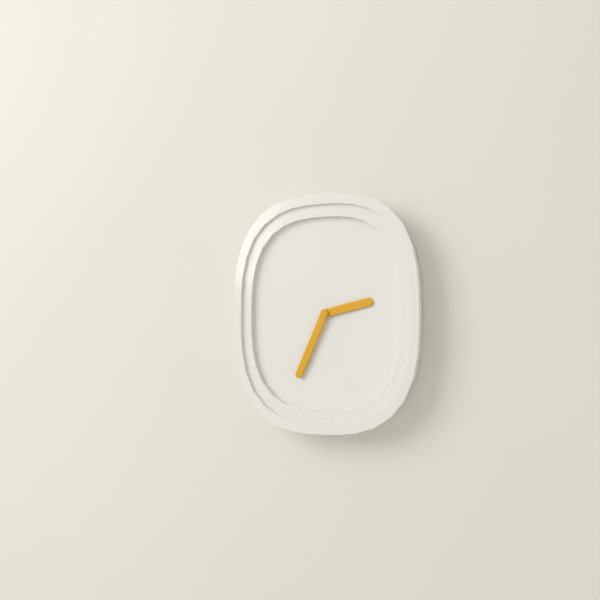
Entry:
2 h 34 min
